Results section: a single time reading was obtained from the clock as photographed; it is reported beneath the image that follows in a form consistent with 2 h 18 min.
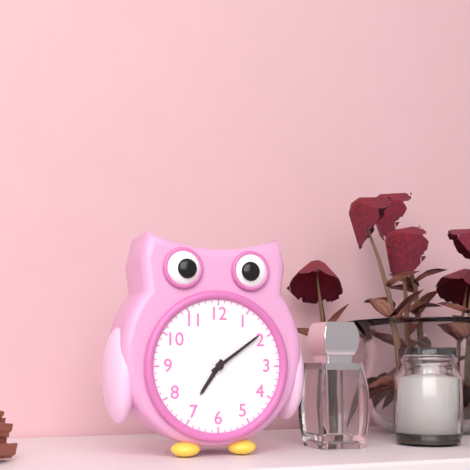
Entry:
7 h 09 min
